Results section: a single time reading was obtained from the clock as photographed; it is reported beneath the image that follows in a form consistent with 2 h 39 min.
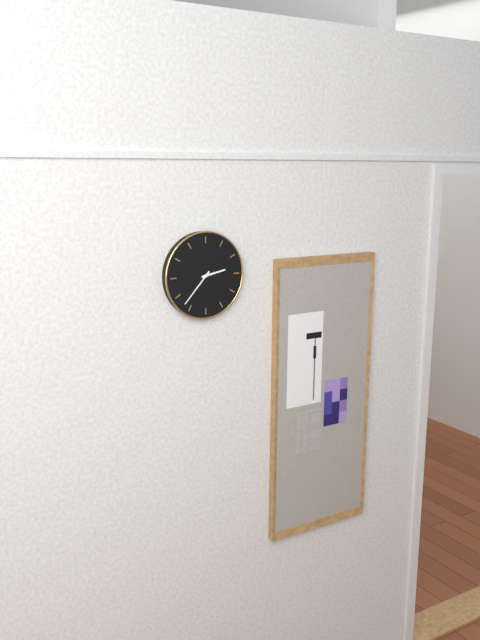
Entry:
2 h 37 min
